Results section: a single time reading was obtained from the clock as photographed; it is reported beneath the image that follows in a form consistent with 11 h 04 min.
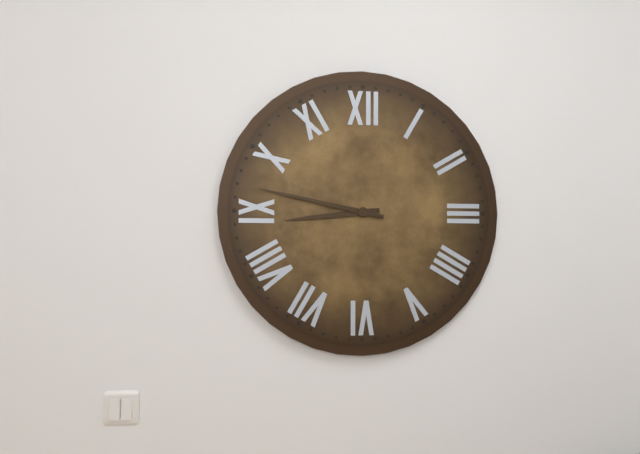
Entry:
8 h 47 min
